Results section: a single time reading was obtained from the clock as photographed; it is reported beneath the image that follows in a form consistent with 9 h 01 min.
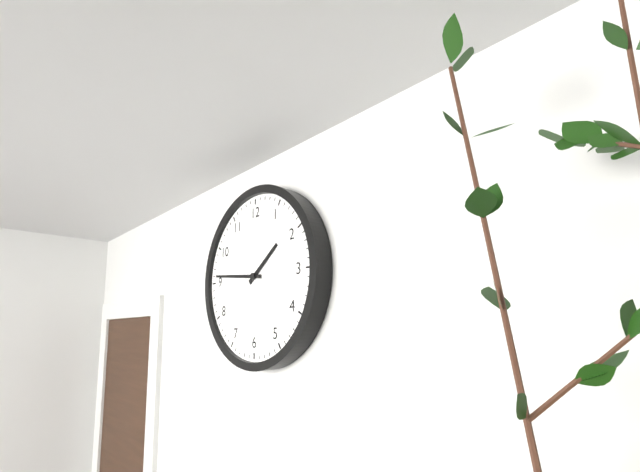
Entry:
1 h 46 min
